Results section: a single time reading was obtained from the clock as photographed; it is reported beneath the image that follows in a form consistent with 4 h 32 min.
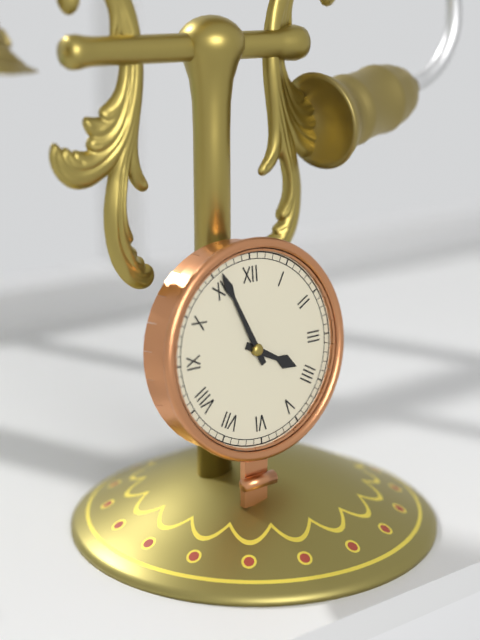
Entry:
3 h 56 min
